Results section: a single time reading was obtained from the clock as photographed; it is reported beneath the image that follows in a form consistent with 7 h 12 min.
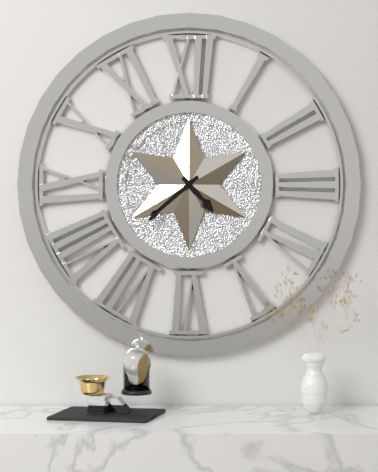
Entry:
4 h 38 min
